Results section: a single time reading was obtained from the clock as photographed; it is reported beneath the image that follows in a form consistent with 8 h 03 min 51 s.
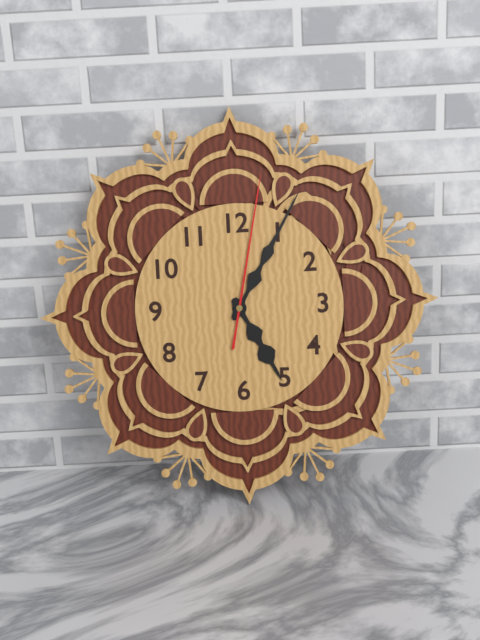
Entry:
5 h 05 min 02 s
